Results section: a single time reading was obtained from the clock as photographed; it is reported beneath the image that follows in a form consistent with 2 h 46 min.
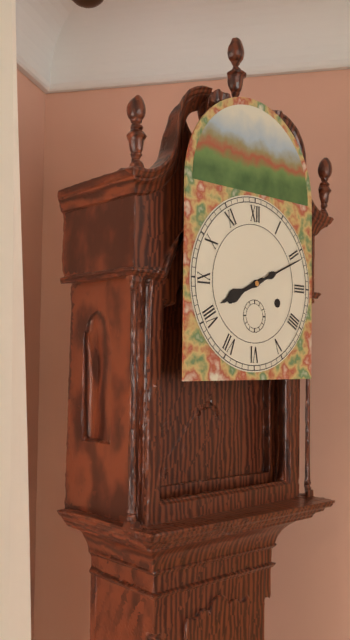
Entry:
8 h 11 min
